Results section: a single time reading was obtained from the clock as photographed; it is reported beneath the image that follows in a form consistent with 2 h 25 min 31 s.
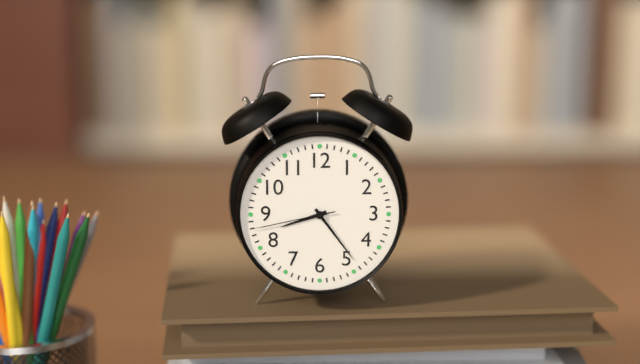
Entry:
8 h 24 min 43 s
